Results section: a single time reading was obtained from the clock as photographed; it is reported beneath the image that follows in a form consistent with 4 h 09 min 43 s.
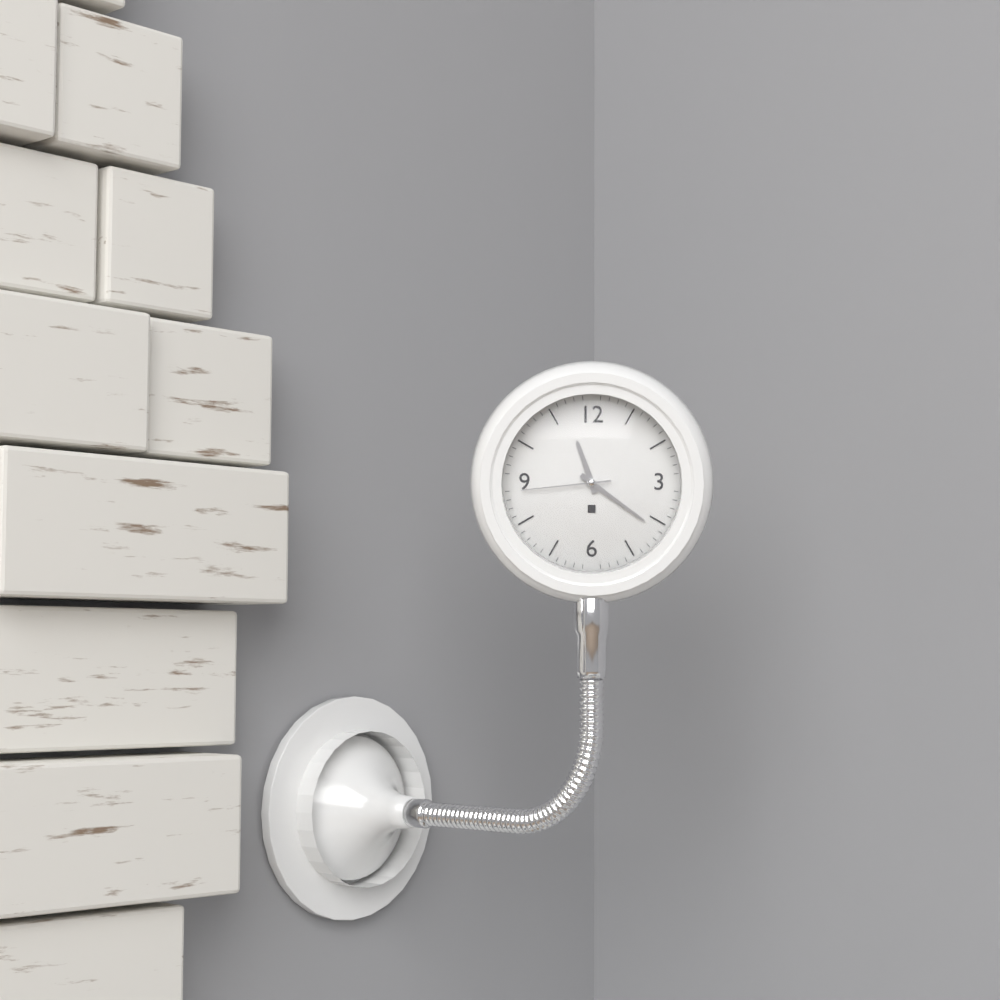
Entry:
11 h 21 min 44 s
